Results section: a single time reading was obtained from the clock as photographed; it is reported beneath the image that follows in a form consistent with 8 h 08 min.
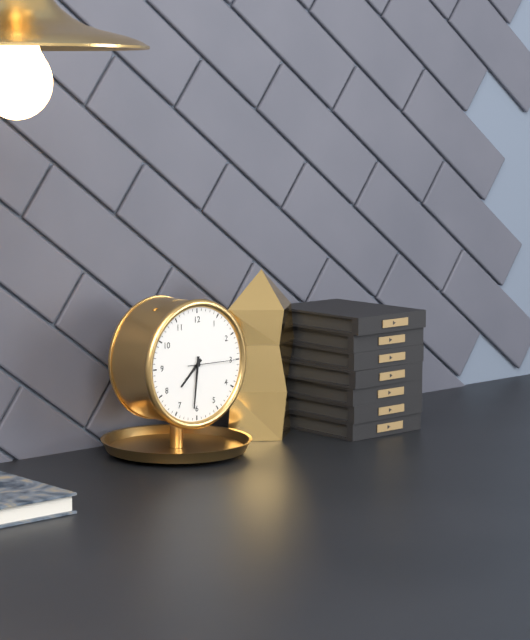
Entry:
7 h 31 min
